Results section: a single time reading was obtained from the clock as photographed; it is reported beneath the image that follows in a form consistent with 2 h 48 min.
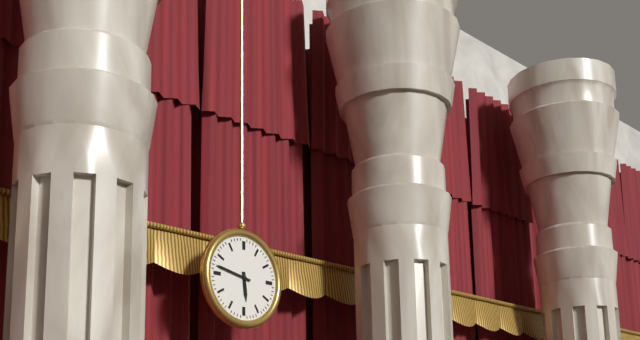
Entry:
5 h 47 min
